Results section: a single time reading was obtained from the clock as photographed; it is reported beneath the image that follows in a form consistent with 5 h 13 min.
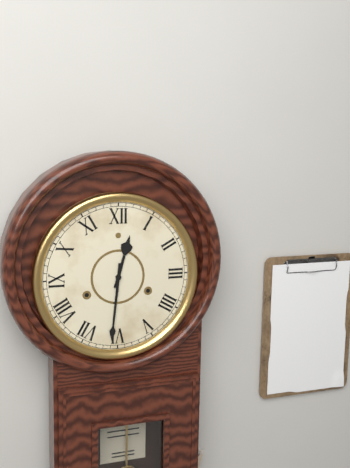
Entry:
12 h 31 min
